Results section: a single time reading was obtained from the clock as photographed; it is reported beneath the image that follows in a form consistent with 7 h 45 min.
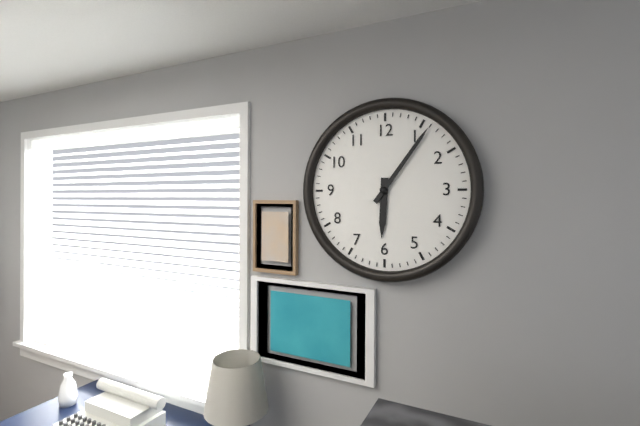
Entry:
6 h 06 min
